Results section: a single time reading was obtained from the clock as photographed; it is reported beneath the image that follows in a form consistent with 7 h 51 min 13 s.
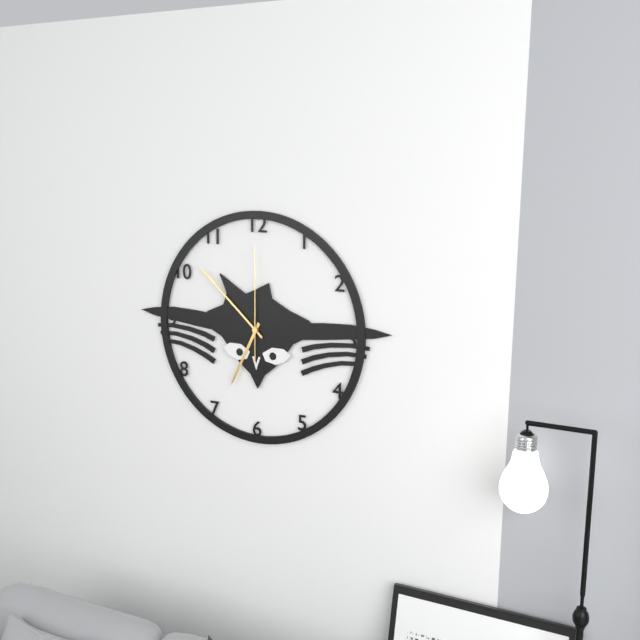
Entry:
6 h 52 min 00 s
